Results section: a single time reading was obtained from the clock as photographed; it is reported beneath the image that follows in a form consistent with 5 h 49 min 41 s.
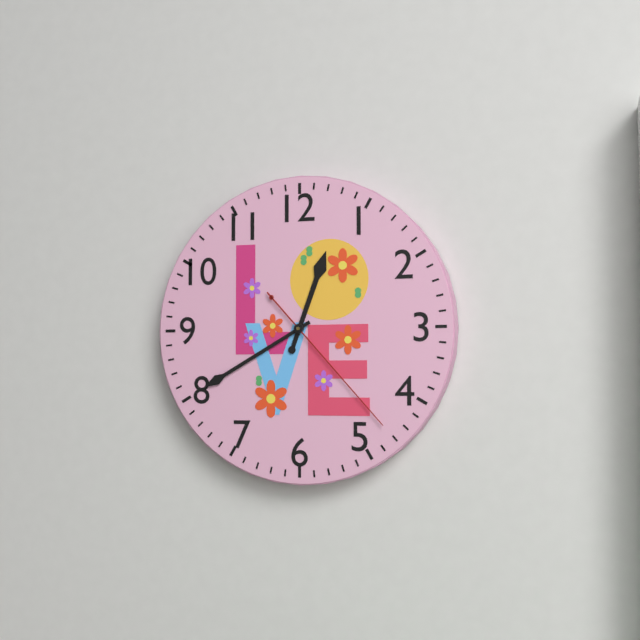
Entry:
12 h 40 min 23 s
